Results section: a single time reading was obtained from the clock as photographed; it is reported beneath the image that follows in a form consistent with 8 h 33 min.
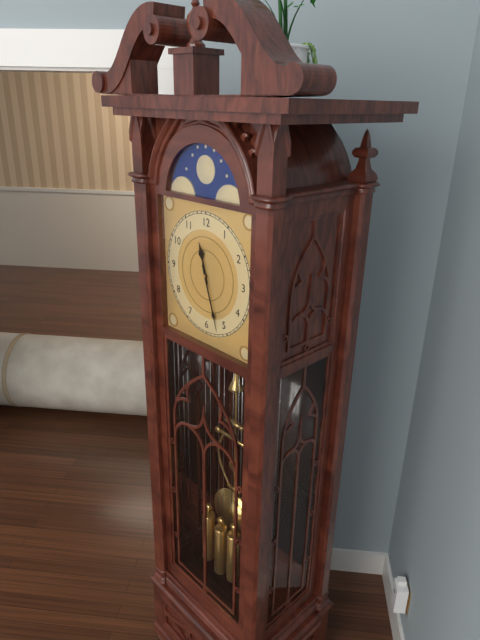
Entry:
11 h 27 min
